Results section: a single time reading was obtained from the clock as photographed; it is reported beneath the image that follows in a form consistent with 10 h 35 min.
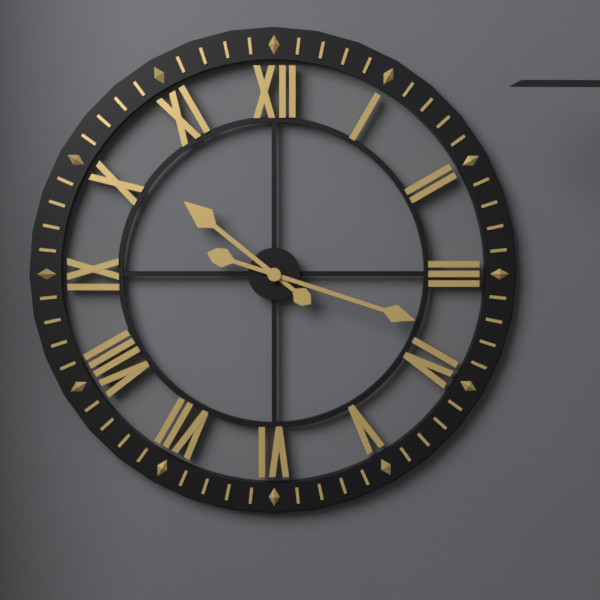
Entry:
10 h 18 min
